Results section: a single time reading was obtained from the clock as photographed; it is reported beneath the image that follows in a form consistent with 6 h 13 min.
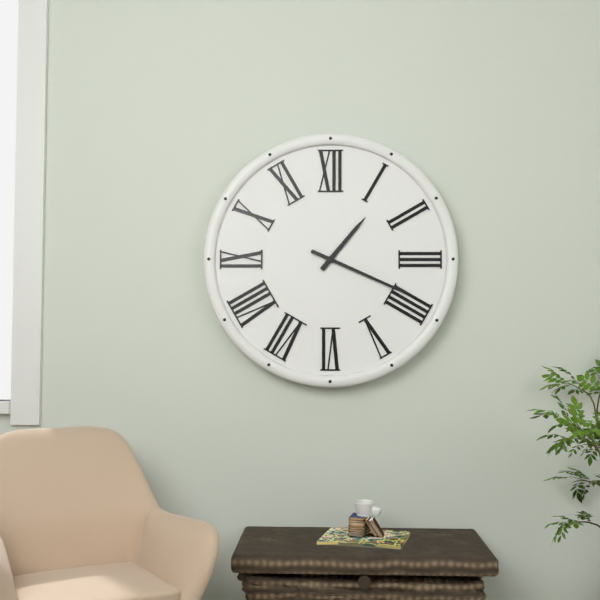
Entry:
1 h 19 min
